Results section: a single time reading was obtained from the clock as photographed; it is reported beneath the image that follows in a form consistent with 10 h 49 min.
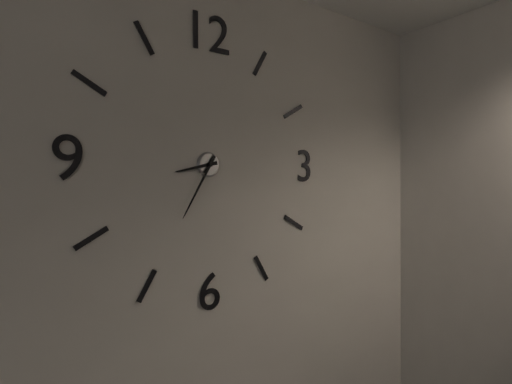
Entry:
8 h 35 min
